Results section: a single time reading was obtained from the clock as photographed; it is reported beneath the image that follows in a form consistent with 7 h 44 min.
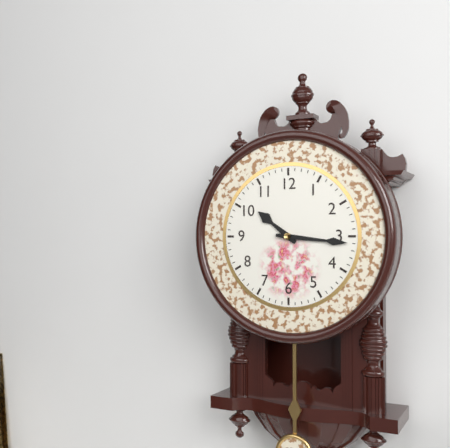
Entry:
10 h 16 min
